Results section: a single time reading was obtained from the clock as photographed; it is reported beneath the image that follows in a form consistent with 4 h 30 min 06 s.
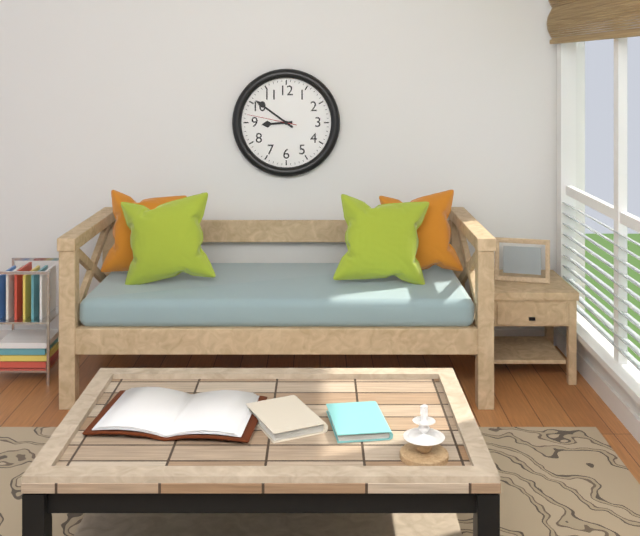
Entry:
8 h 51 min 47 s
